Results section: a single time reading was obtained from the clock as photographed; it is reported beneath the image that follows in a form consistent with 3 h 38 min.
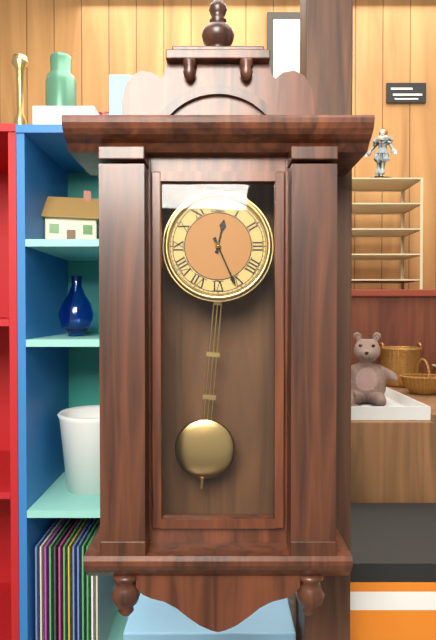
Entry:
12 h 26 min
